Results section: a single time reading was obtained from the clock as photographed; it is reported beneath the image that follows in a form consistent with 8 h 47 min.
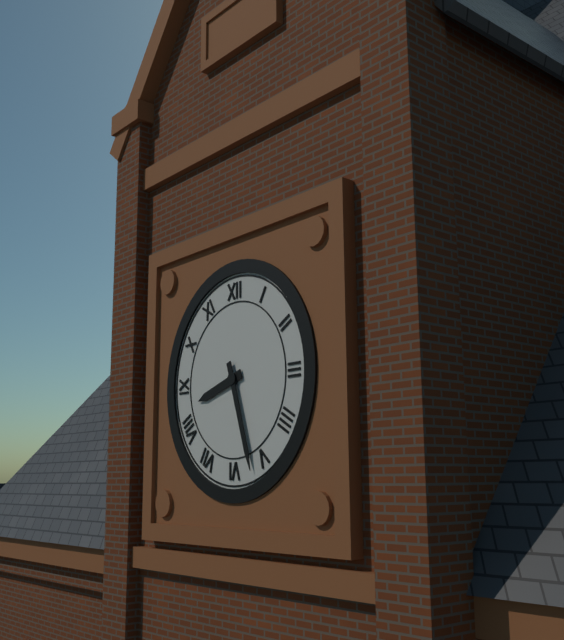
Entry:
8 h 27 min
